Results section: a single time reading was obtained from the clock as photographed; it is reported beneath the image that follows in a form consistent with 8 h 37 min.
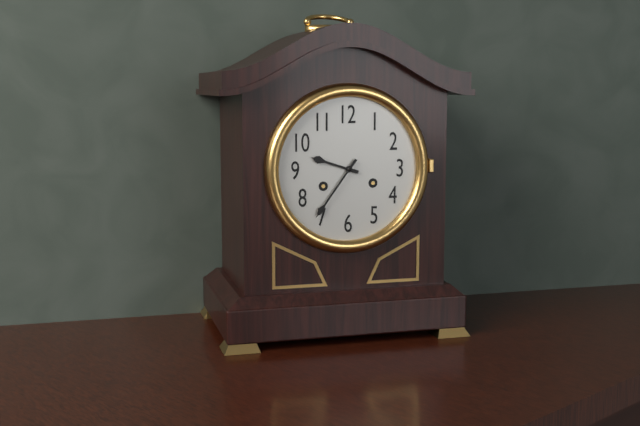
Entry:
9 h 36 min
